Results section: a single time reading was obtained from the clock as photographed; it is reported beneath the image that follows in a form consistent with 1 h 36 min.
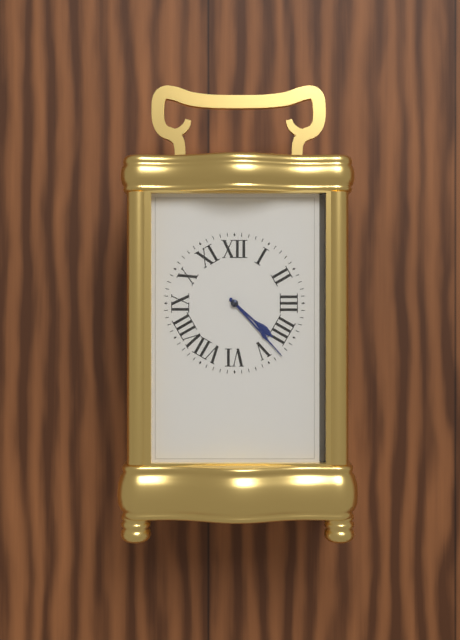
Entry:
4 h 23 min
